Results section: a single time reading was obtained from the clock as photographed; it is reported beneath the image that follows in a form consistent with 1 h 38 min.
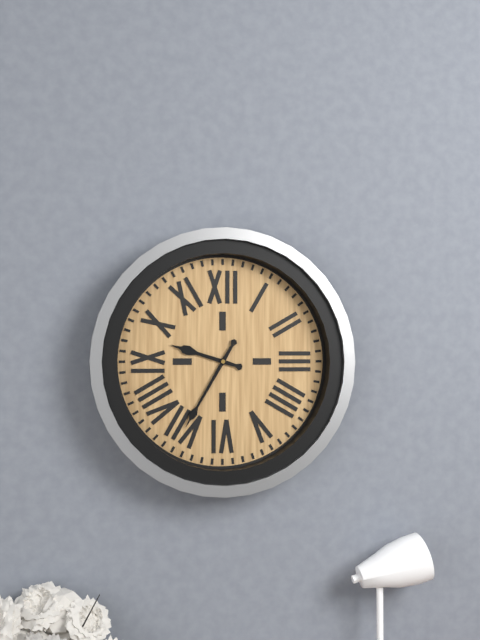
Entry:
9 h 35 min
